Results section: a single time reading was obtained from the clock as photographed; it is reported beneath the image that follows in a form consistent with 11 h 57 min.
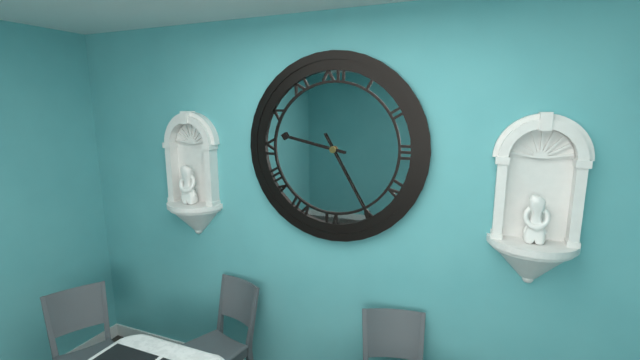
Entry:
9 h 25 min
